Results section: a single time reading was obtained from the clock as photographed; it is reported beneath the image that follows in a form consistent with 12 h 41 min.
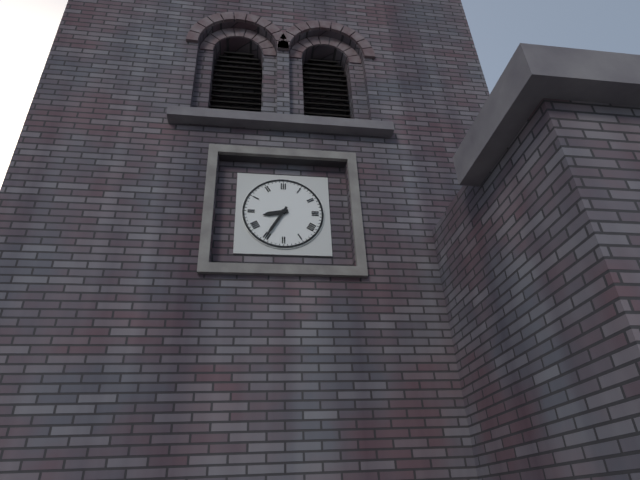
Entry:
8 h 35 min
